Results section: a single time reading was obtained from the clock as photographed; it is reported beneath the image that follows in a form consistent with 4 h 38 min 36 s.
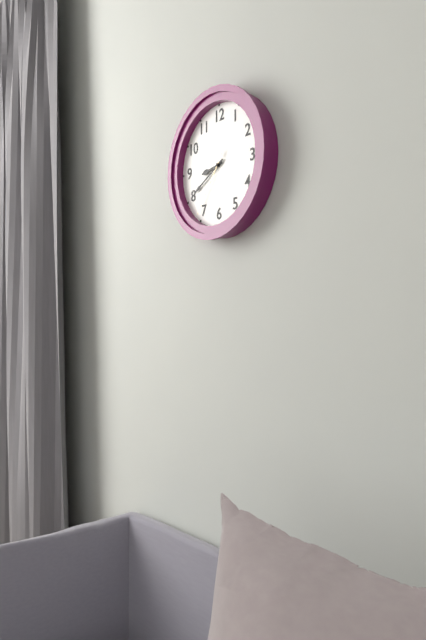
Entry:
8 h 40 min 36 s
